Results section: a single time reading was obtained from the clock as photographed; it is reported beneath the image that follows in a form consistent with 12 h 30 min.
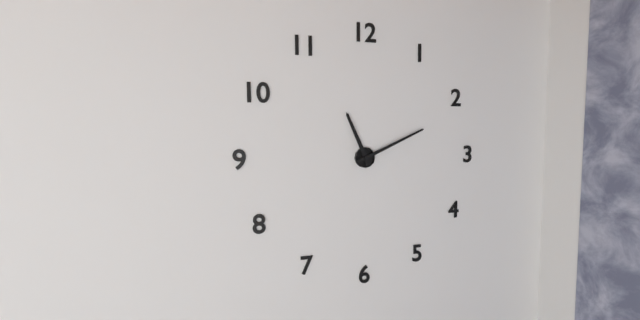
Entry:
11 h 11 min
